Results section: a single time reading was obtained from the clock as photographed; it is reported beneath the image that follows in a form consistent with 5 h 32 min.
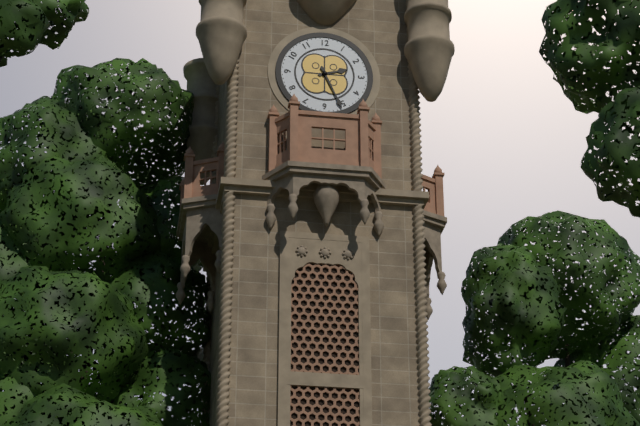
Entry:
2 h 26 min
